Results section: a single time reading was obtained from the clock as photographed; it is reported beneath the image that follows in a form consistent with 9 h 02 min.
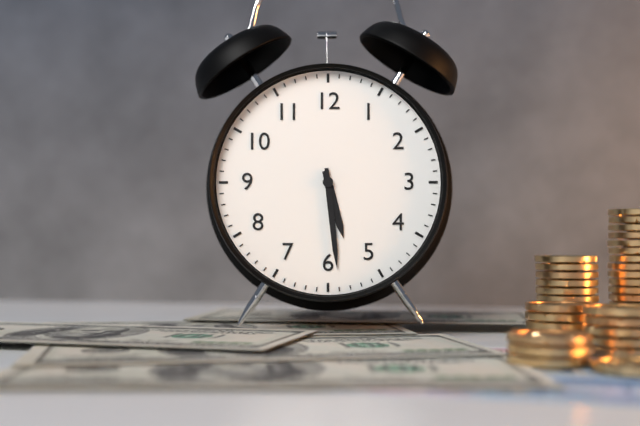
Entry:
5 h 29 min
